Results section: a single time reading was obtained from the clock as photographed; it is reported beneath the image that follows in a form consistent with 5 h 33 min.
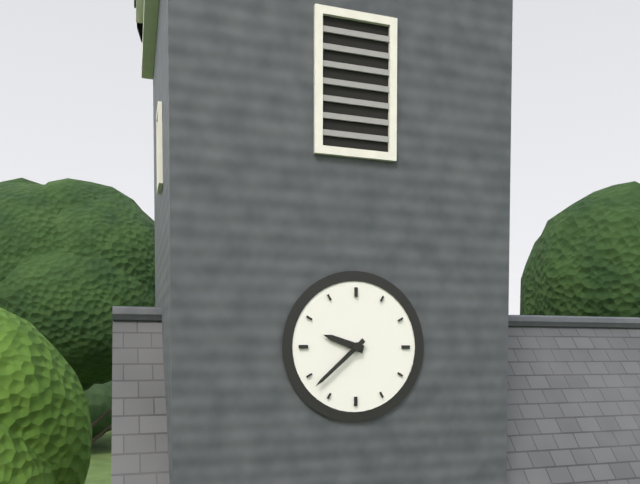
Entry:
9 h 38 min
